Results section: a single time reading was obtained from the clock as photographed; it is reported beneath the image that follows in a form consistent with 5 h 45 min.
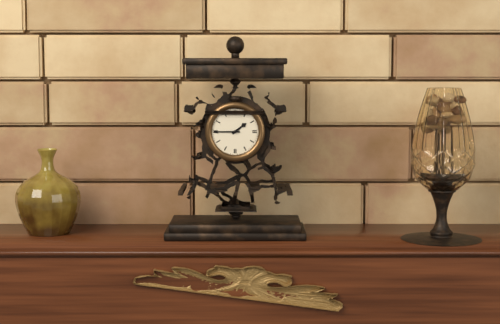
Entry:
1 h 45 min
